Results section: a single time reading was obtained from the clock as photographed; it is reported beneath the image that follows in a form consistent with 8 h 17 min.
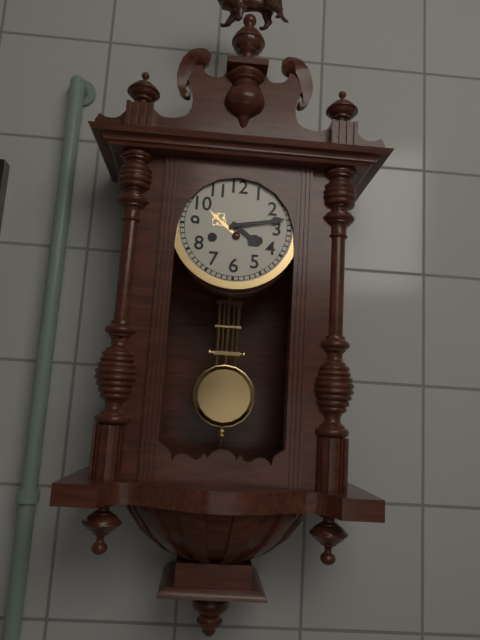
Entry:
4 h 13 min
